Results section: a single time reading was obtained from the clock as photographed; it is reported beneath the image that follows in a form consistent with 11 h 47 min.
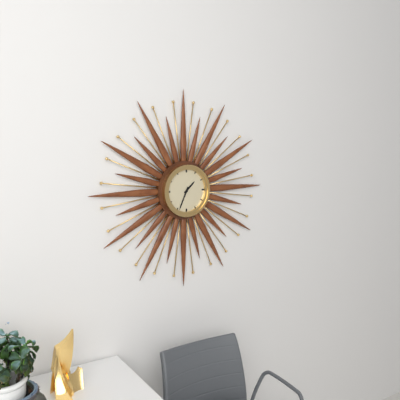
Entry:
1 h 34 min
